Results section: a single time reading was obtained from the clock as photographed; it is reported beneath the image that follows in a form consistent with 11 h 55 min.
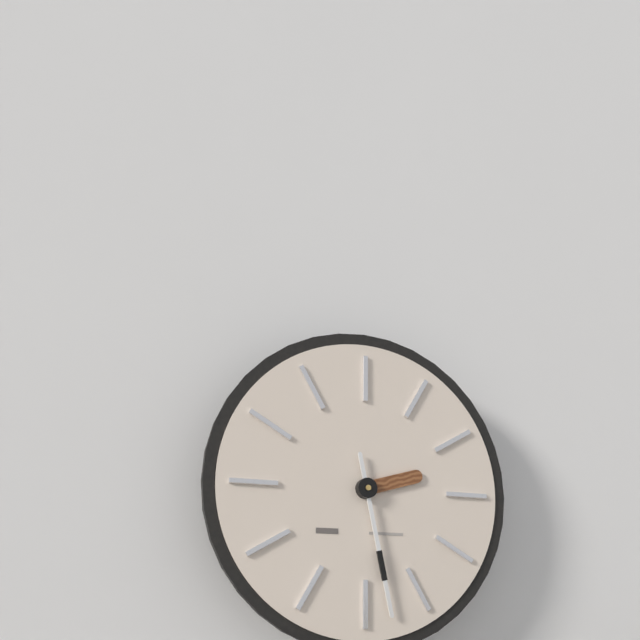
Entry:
2 h 28 min
